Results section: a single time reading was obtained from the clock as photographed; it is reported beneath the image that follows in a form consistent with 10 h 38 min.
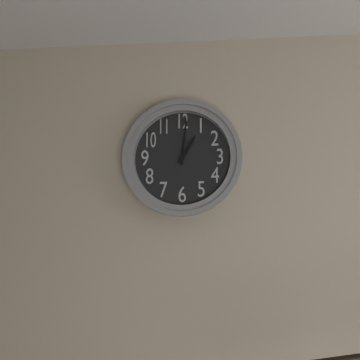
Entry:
1 h 01 min
